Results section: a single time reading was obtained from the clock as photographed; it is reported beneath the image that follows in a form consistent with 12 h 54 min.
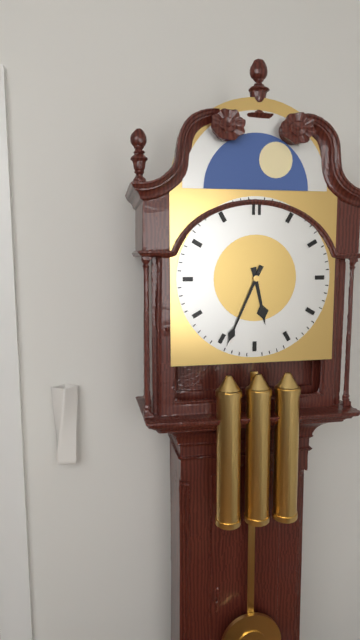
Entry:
5 h 34 min
